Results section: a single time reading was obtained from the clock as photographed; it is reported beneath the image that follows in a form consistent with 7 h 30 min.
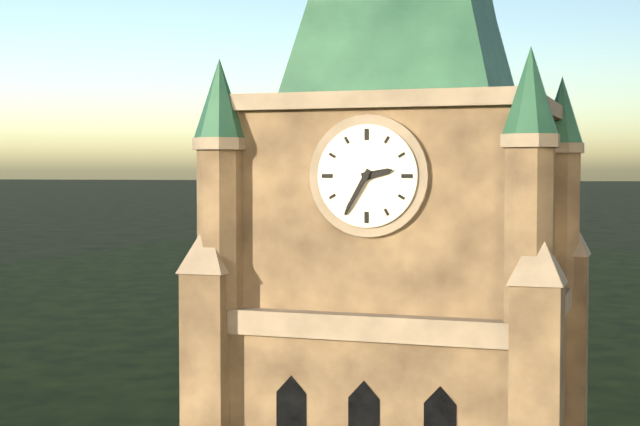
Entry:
2 h 35 min
